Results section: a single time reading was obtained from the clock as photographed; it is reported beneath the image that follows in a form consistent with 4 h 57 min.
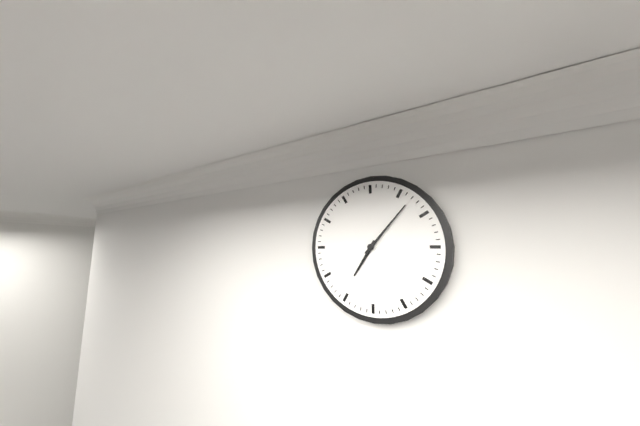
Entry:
7 h 07 min
